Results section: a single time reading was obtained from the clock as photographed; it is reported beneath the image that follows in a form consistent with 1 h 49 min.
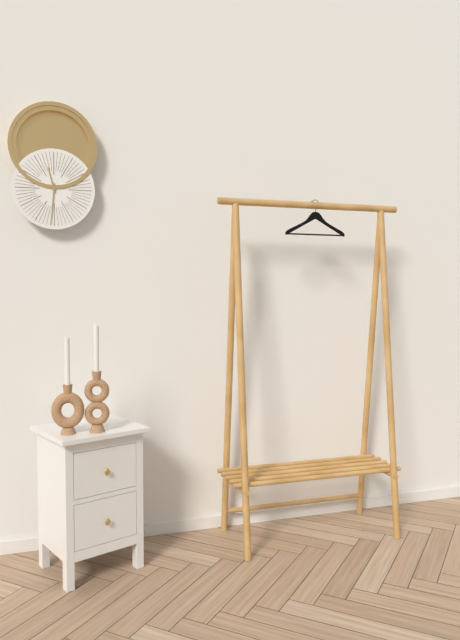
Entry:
11 h 31 min
